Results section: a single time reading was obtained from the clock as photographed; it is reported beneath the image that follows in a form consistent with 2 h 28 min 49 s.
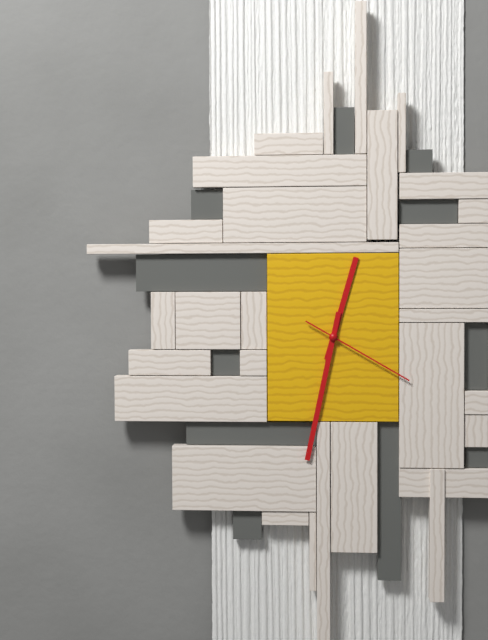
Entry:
12 h 32 min 20 s
